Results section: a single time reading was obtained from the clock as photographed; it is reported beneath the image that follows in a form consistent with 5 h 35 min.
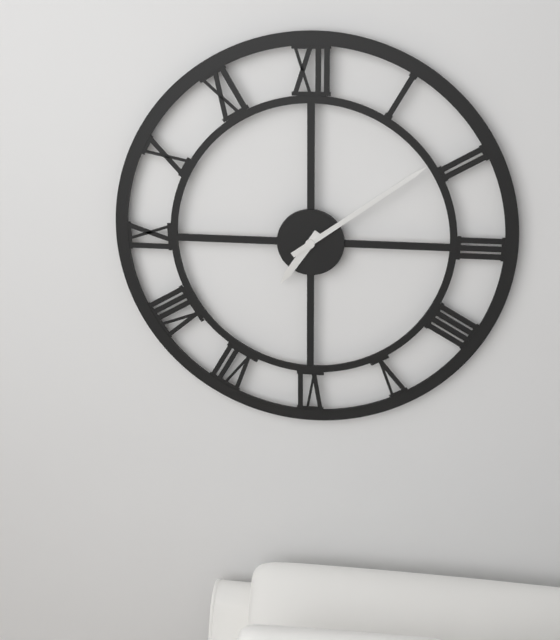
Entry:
7 h 09 min
